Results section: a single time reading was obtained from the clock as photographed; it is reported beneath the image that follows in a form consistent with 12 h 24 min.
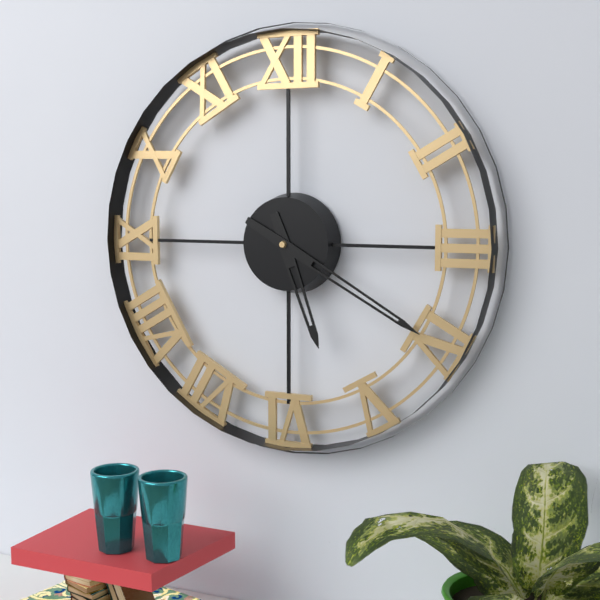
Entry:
5 h 20 min
